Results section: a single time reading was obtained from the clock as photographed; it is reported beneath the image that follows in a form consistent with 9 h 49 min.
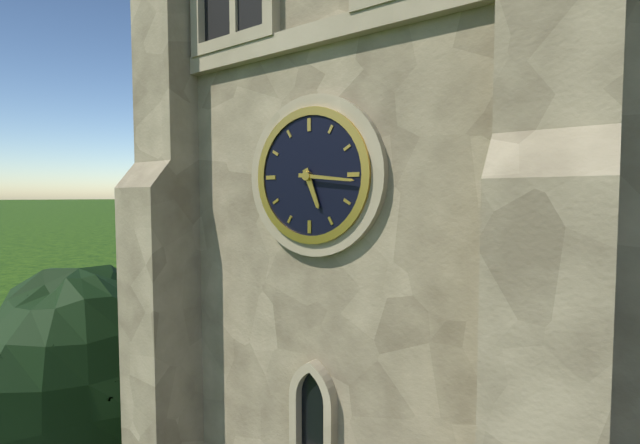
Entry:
5 h 16 min
